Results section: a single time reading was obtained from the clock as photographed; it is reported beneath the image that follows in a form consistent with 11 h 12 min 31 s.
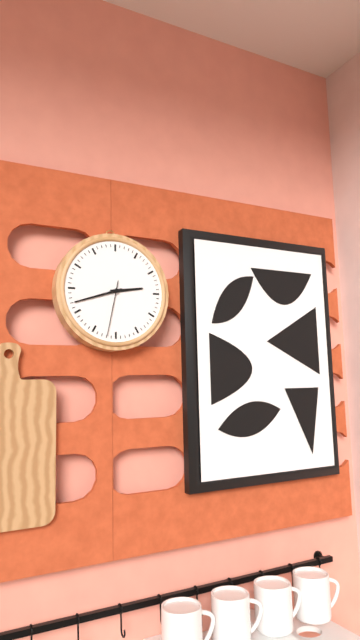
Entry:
2 h 42 min 32 s
